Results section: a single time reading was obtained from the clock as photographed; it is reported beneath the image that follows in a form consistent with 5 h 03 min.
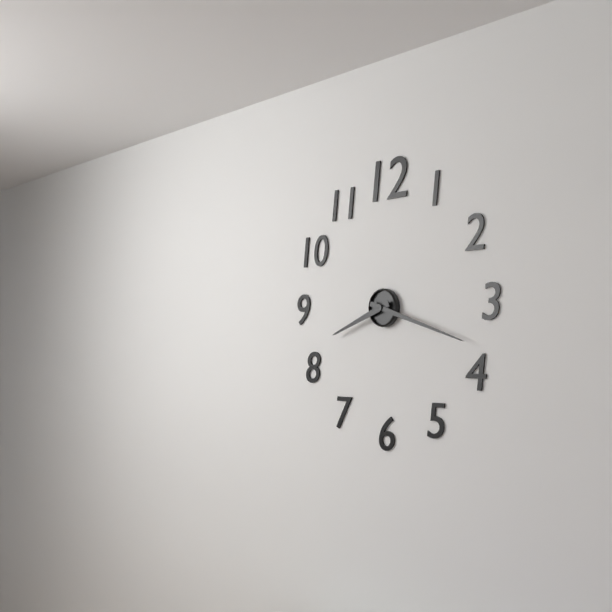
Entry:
8 h 18 min
